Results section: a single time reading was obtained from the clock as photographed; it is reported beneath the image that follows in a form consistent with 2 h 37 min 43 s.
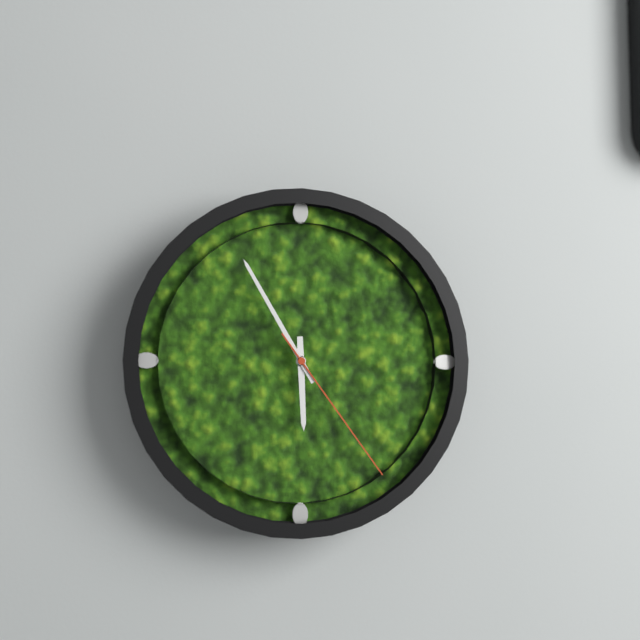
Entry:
5 h 55 min 24 s
